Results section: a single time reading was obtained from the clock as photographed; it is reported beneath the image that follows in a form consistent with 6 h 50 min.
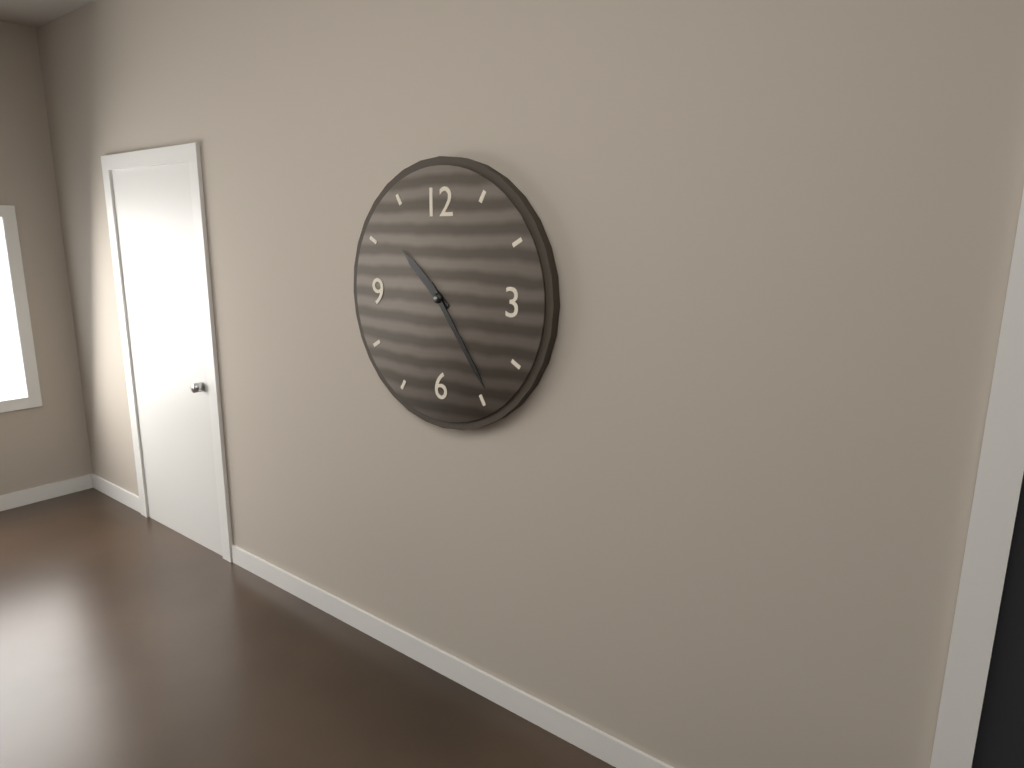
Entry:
10 h 24 min
